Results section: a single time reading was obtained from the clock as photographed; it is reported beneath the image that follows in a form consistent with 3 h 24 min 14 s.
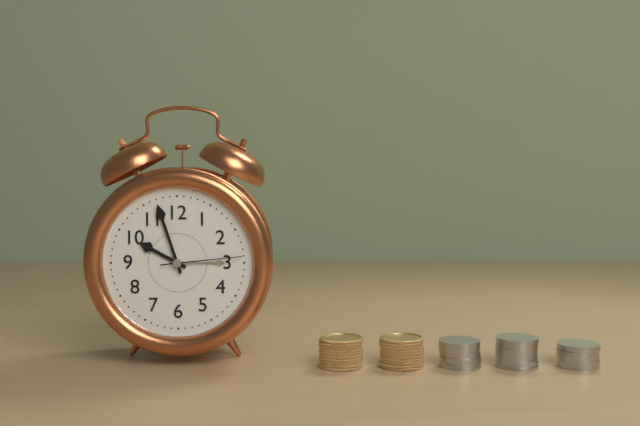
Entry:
9 h 57 min 14 s
